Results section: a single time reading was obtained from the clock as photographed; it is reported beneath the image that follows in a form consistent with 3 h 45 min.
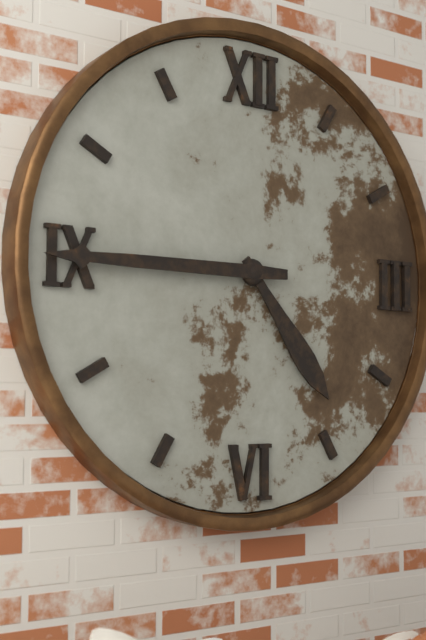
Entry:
4 h 45 min
